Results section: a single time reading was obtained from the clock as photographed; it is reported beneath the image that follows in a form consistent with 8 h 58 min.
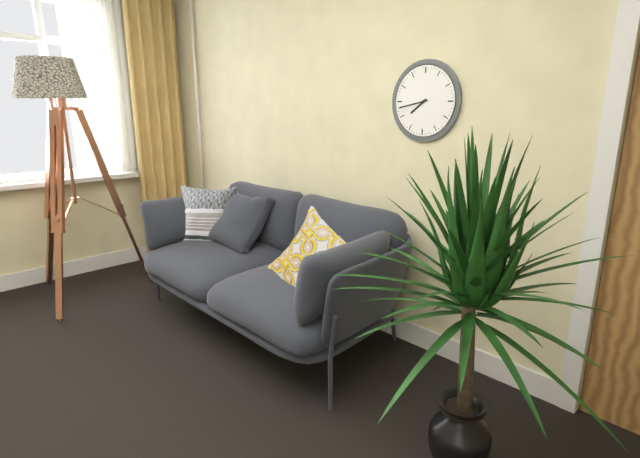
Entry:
7 h 43 min
